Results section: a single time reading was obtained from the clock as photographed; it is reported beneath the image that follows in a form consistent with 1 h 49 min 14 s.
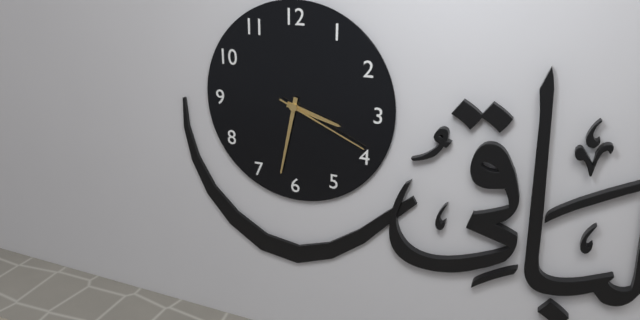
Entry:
3 h 32 min 19 s
